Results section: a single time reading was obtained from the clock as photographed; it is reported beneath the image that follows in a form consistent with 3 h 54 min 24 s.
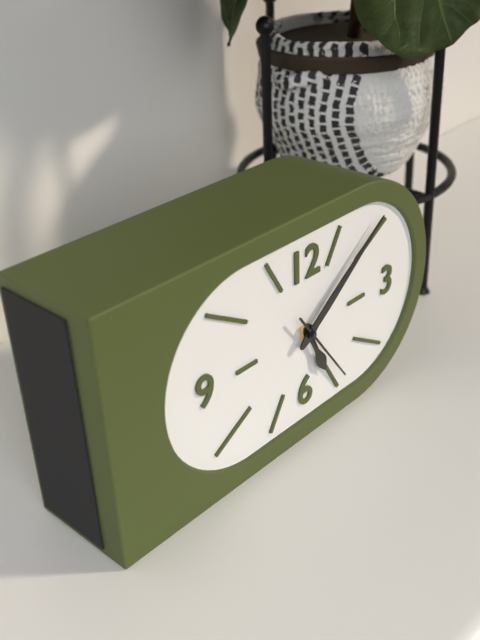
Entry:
5 h 09 min 24 s
